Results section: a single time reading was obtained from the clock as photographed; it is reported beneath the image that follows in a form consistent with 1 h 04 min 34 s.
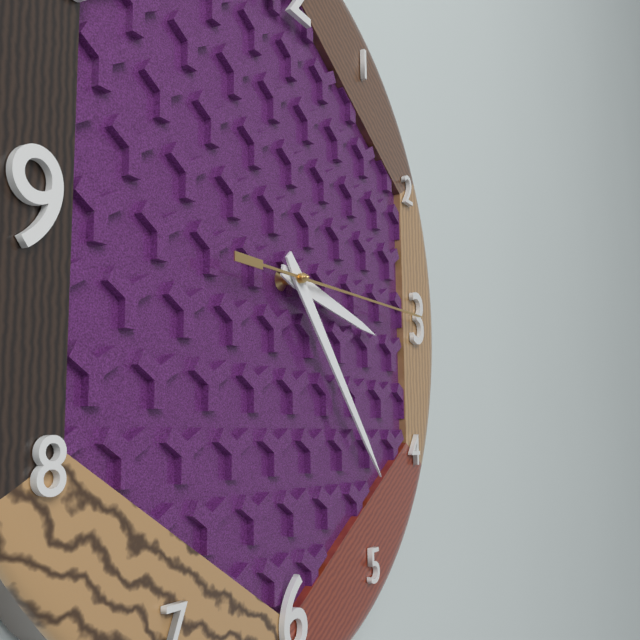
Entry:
3 h 23 min 15 s
